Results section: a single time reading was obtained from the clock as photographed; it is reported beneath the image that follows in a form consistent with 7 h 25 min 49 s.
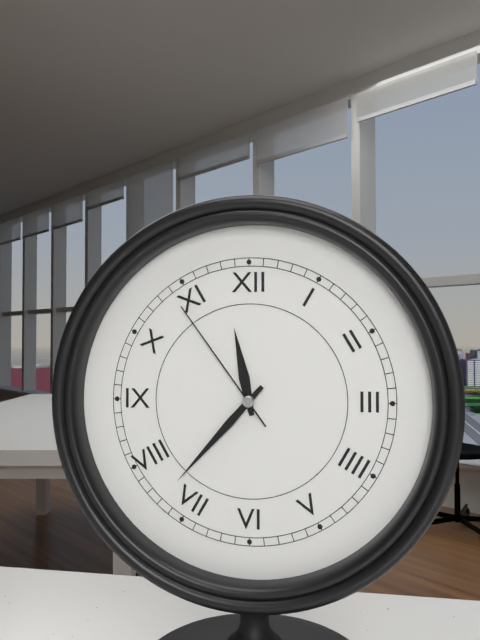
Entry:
11 h 37 min 54 s
